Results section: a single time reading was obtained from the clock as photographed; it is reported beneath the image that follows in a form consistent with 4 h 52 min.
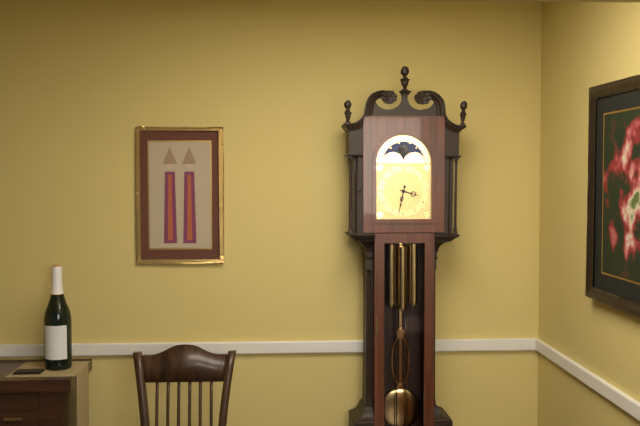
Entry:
3 h 32 min
